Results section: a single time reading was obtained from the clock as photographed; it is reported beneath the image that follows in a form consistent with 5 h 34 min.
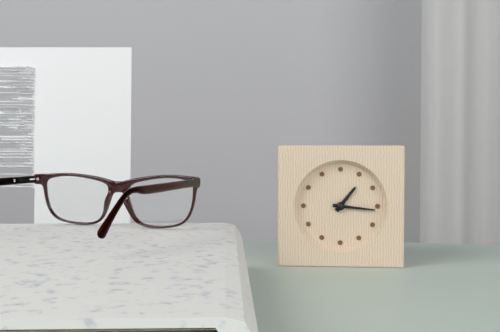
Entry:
1 h 16 min
